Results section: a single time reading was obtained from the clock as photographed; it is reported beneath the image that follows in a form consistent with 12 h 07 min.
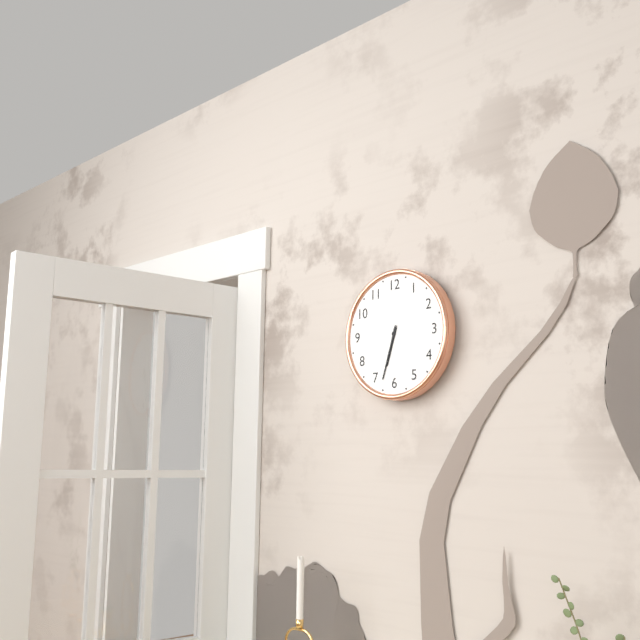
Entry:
6 h 33 min
